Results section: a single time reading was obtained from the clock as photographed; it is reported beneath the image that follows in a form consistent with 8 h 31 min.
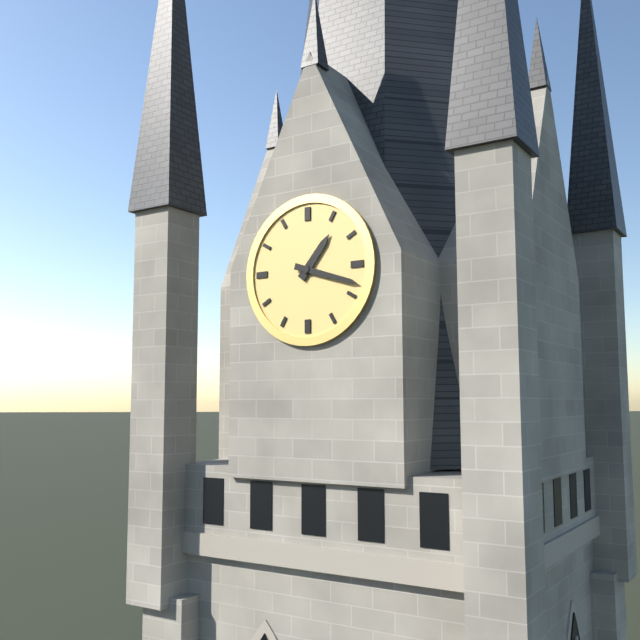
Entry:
1 h 18 min
